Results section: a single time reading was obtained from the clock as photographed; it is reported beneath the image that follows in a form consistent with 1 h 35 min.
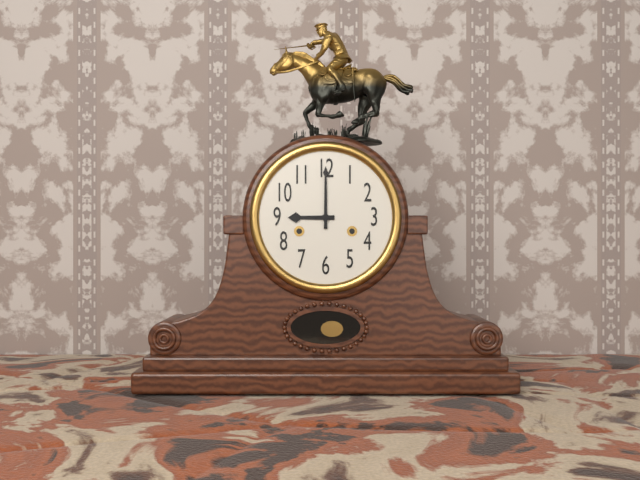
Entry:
9 h 00 min
